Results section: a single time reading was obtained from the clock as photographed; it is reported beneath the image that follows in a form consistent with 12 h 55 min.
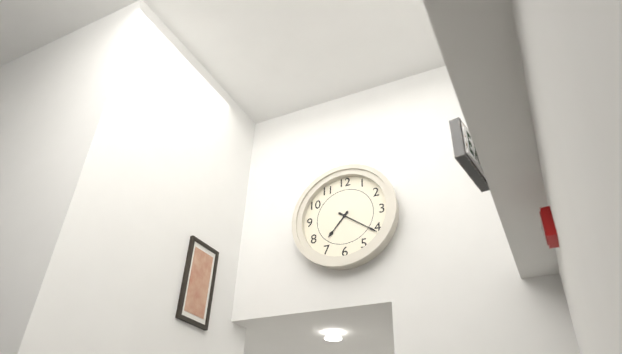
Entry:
7 h 21 min
